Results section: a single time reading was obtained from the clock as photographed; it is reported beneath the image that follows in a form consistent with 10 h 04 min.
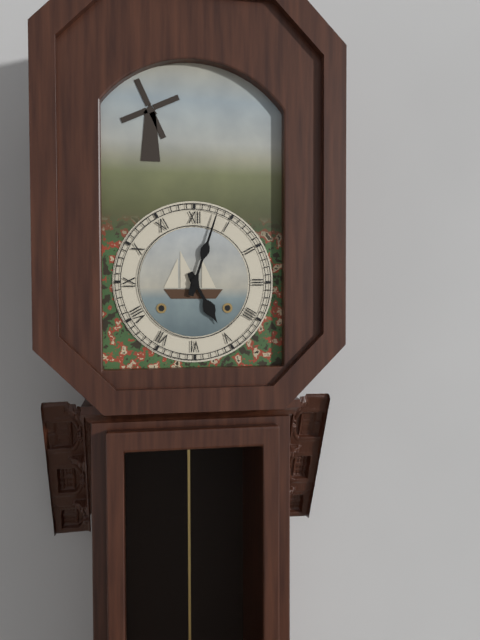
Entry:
5 h 03 min
